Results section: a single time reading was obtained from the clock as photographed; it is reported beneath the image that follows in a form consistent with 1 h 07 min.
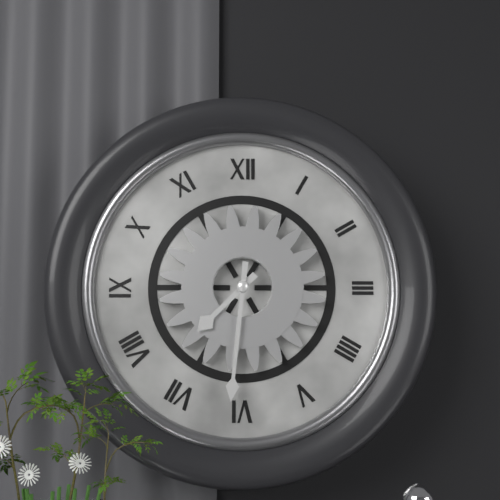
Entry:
7 h 31 min
